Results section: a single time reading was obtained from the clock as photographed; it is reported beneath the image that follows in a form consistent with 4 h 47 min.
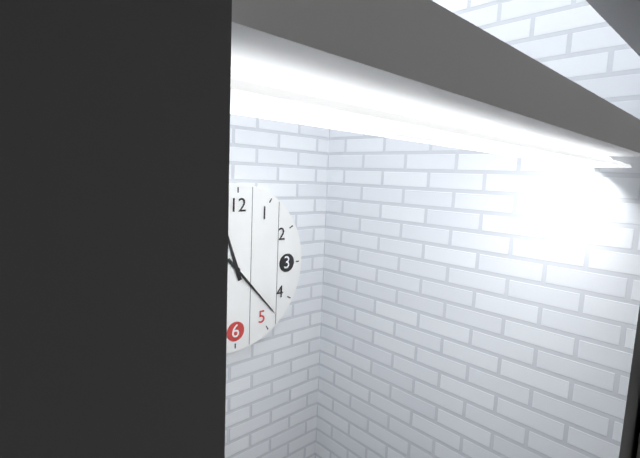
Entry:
11 h 23 min
